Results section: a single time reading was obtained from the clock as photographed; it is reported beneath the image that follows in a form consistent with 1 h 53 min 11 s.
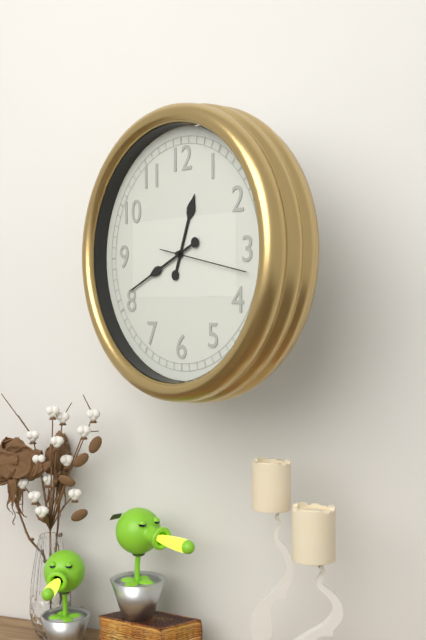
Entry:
12 h 41 min 17 s
